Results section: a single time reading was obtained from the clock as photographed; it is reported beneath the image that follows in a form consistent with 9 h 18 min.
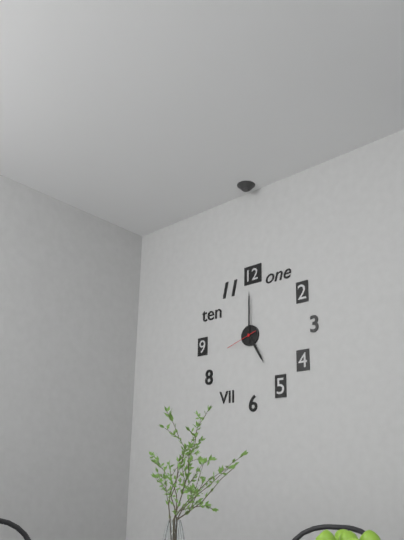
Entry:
5 h 00 min
